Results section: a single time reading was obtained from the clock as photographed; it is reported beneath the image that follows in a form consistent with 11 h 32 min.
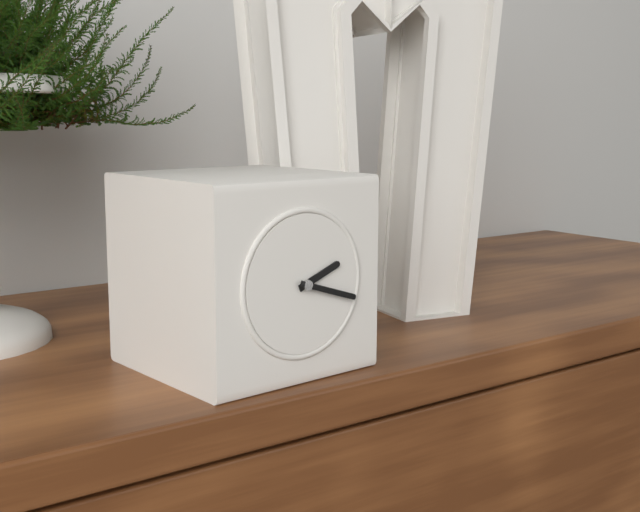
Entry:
2 h 18 min
